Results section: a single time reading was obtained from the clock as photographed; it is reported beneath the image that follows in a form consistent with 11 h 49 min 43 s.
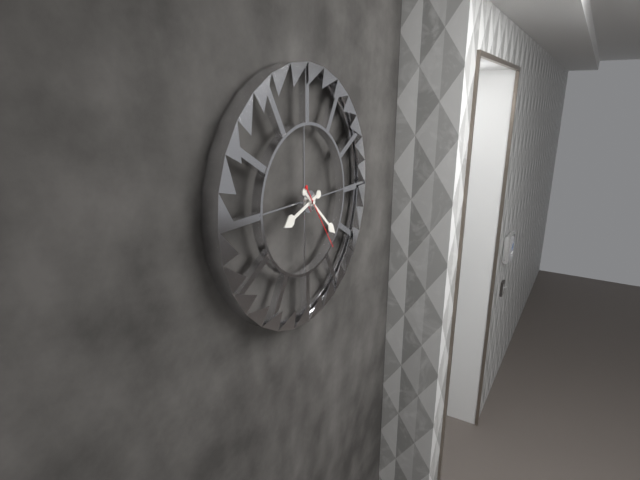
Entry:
8 h 22 min 24 s
